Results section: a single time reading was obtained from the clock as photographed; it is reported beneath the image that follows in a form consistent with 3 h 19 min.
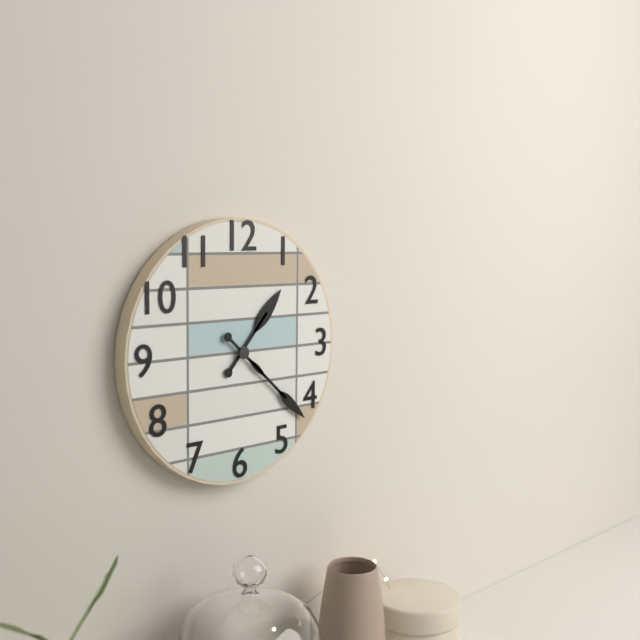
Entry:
1 h 22 min
